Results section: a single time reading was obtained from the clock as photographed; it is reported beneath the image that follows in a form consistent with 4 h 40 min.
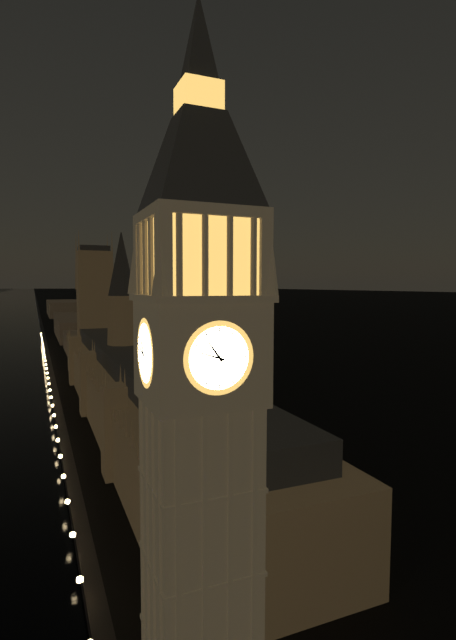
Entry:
10 h 48 min
